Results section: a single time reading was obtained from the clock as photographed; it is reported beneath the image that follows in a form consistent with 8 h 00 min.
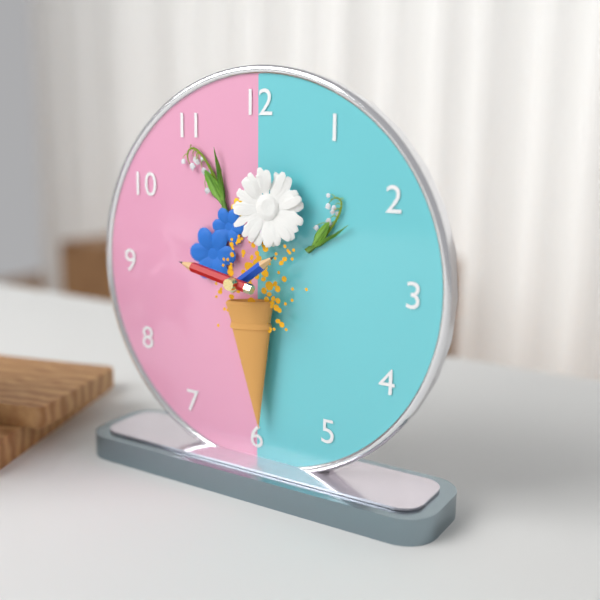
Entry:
1 h 47 min
